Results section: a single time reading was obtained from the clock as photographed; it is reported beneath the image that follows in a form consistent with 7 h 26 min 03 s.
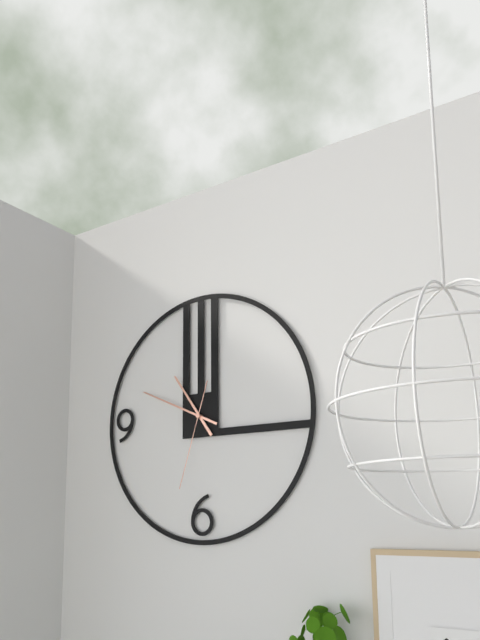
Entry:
10 h 49 min 33 s
